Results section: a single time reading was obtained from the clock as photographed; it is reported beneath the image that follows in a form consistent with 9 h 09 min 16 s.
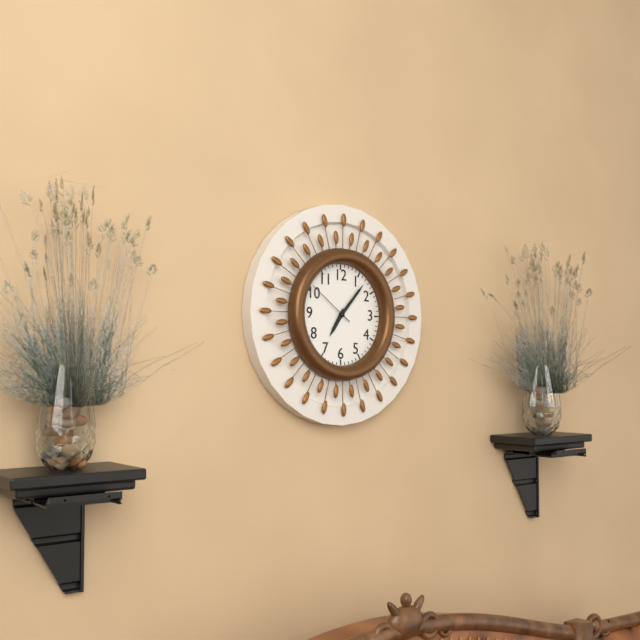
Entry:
7 h 07 min 51 s
